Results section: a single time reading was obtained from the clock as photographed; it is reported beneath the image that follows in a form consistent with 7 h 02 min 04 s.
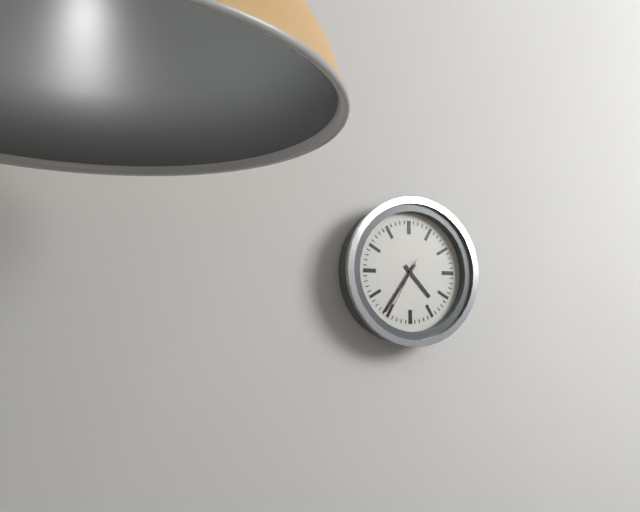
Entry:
4 h 36 min 35 s
